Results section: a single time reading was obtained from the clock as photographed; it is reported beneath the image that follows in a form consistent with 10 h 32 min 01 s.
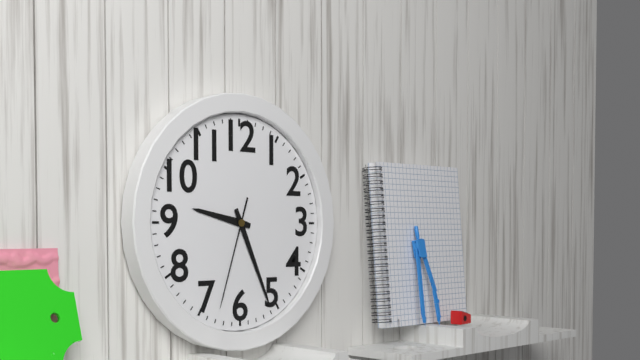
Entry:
9 h 26 min 33 s
